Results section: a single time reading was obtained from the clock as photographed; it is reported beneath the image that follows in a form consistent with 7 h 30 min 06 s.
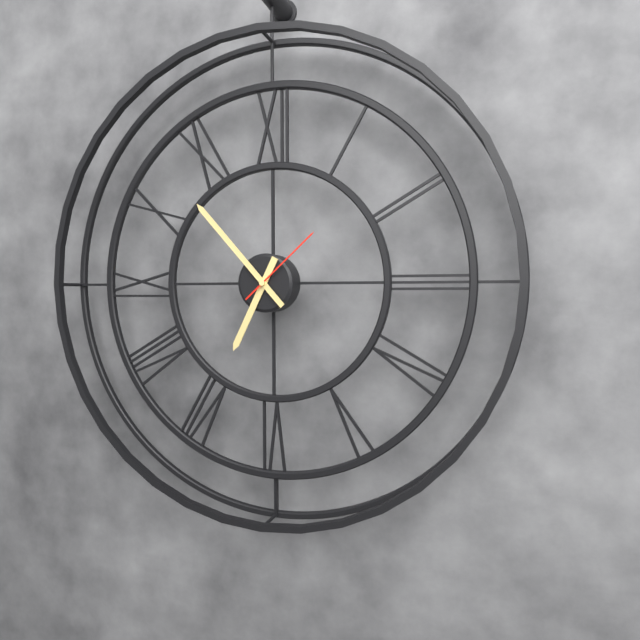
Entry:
6 h 53 min 08 s
